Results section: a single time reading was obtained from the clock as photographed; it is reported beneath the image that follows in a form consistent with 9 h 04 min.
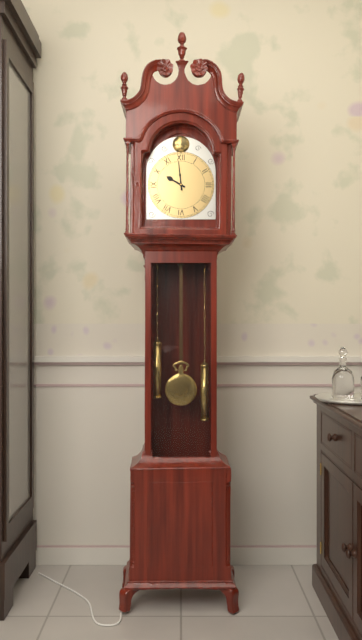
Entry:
9 h 59 min
